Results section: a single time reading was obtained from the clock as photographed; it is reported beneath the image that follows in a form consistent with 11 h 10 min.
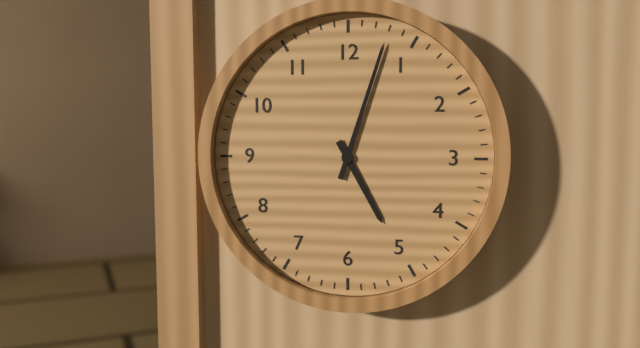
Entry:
5 h 03 min
